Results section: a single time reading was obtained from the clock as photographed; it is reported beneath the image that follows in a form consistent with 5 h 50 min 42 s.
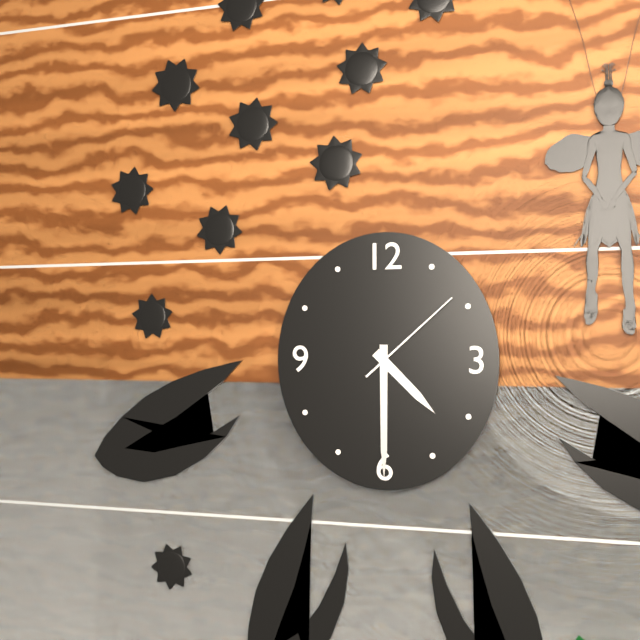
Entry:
4 h 30 min 08 s
